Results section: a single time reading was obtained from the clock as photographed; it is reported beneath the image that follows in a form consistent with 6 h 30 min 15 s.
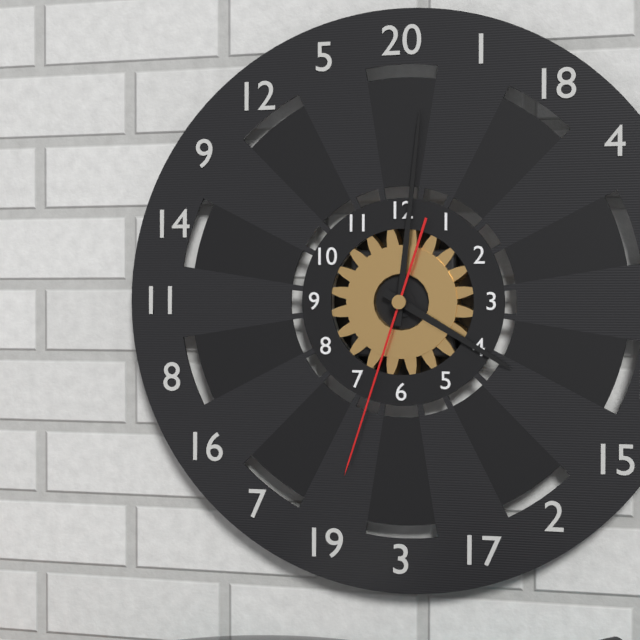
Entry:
4 h 01 min 33 s
